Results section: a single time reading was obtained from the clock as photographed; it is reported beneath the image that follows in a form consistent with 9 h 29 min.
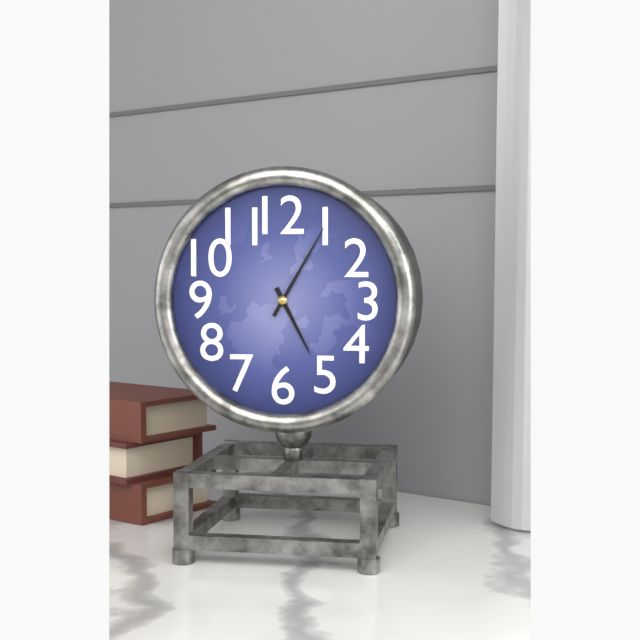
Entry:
5 h 05 min
